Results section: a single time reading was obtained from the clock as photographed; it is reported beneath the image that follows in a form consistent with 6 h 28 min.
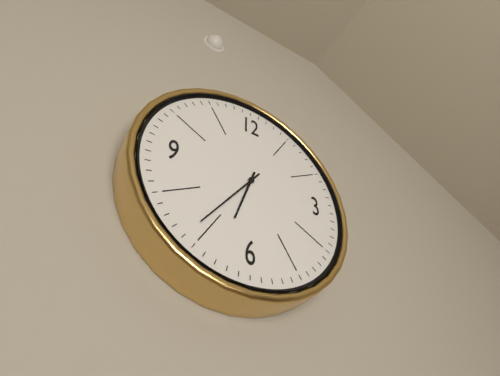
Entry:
6 h 36 min
